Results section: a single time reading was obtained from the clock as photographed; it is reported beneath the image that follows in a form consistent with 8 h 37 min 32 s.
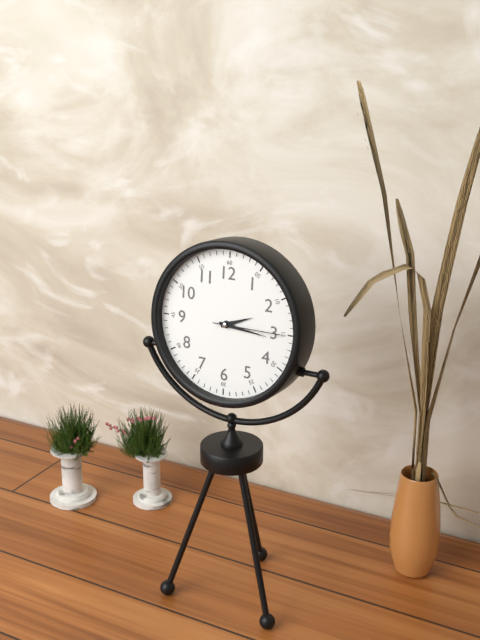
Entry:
2 h 16 min 15 s
